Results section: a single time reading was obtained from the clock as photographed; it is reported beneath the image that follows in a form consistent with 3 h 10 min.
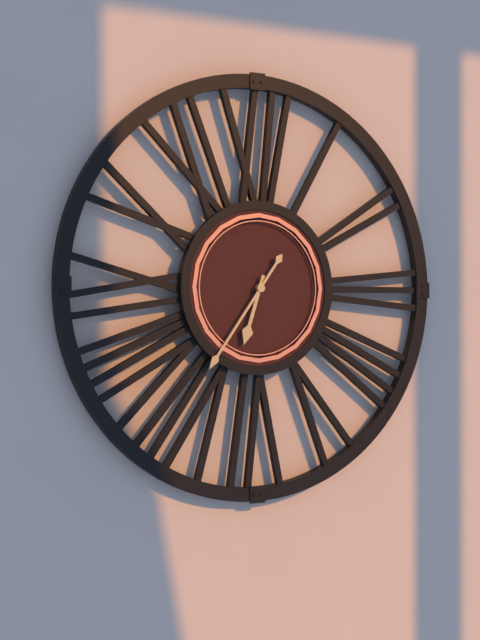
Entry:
6 h 36 min
